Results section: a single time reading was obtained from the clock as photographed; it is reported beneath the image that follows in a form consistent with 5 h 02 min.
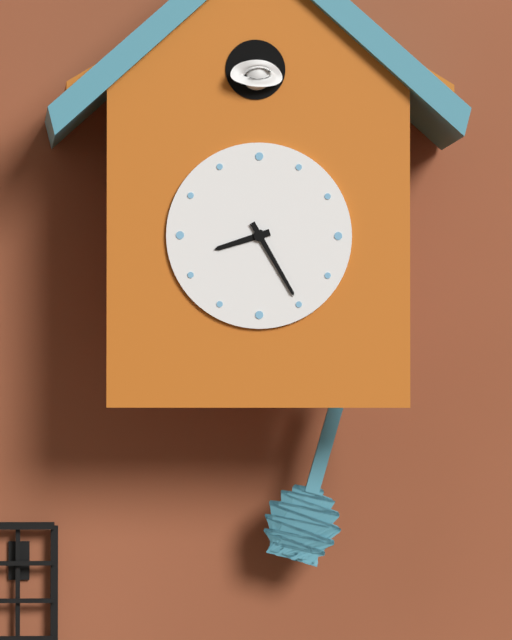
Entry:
8 h 25 min
